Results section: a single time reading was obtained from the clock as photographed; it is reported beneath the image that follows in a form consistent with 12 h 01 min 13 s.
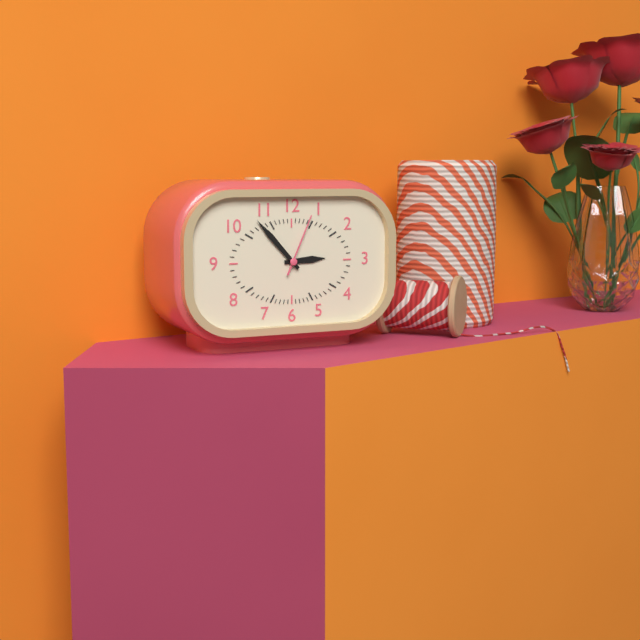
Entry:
2 h 53 min 04 s
